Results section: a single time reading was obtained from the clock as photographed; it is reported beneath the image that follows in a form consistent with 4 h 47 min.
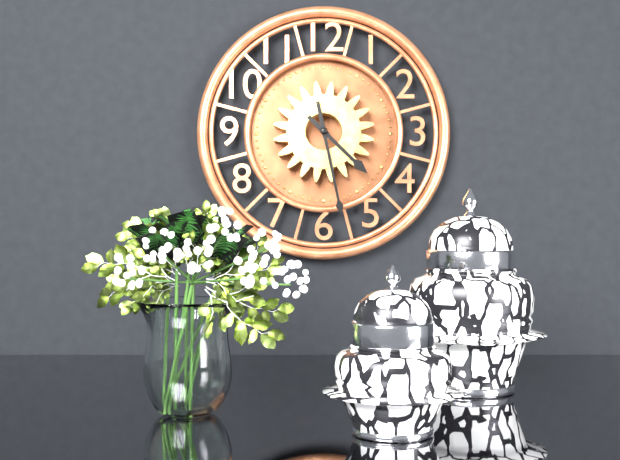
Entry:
4 h 28 min
